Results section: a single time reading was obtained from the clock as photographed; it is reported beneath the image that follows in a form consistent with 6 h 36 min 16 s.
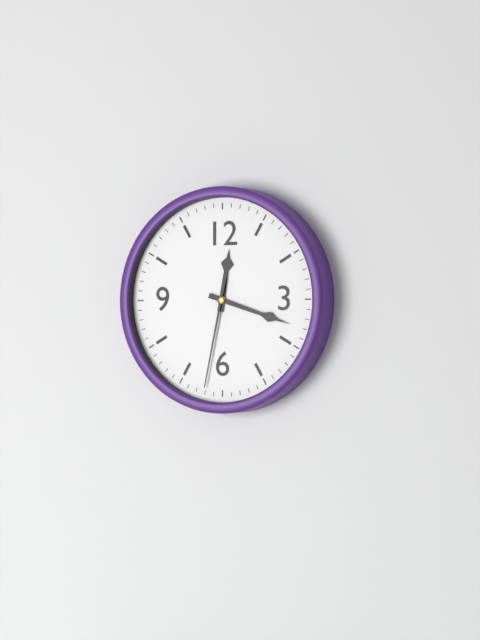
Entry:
12 h 18 min 32 s
